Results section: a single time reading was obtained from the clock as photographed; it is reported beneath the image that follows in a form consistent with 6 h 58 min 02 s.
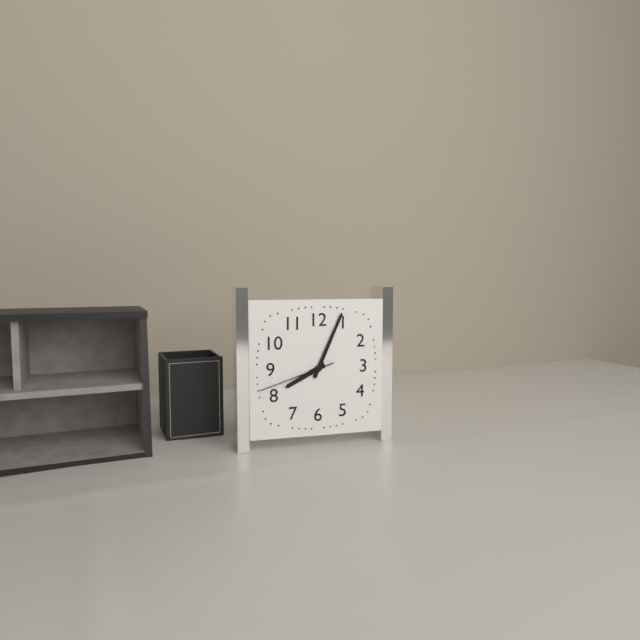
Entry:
8 h 04 min 42 s
